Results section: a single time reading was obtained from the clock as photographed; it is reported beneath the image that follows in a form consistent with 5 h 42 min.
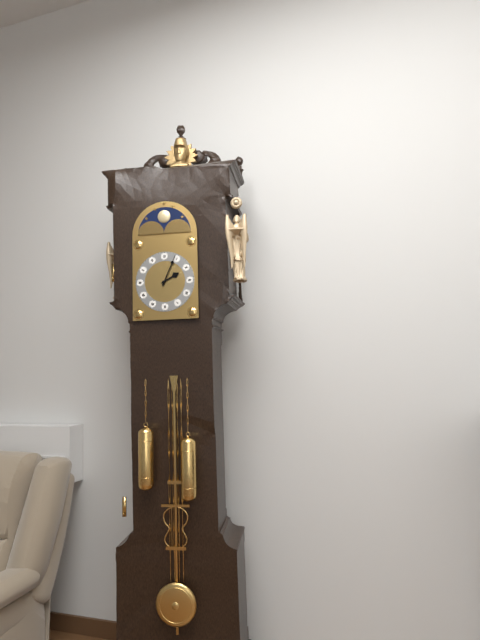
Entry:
2 h 04 min
